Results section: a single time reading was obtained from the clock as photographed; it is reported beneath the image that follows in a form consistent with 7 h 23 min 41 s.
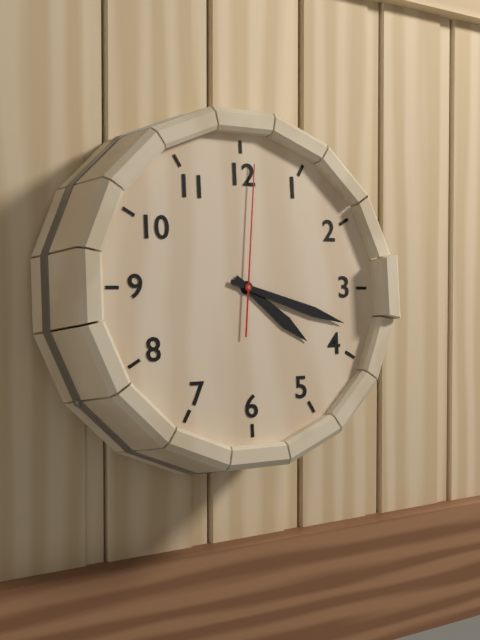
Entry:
4 h 18 min 01 s
